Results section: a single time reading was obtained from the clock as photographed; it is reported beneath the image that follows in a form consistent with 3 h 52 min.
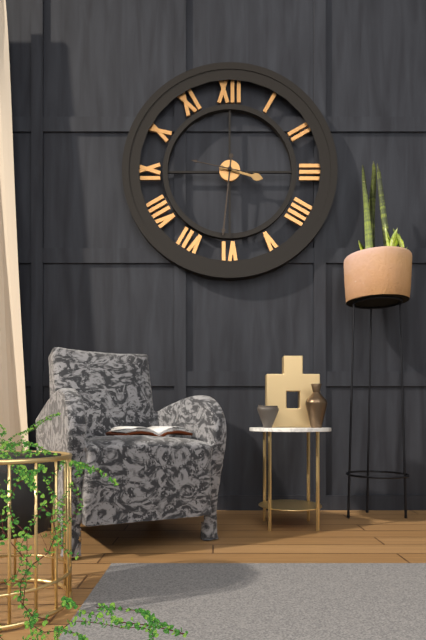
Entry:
3 h 31 min
